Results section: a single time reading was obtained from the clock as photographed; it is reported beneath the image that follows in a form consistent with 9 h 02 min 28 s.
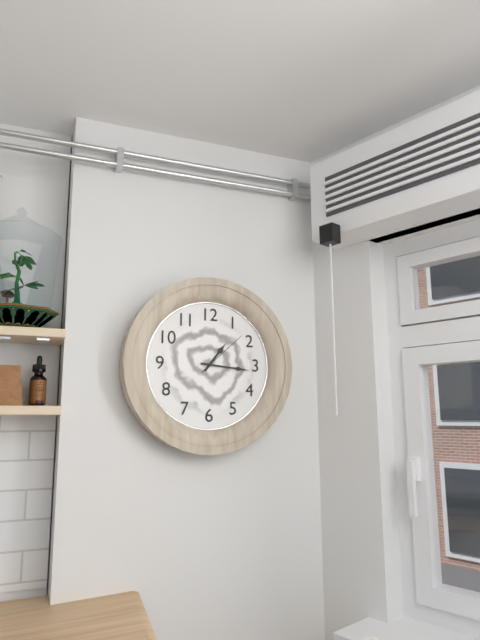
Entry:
1 h 16 min 08 s
